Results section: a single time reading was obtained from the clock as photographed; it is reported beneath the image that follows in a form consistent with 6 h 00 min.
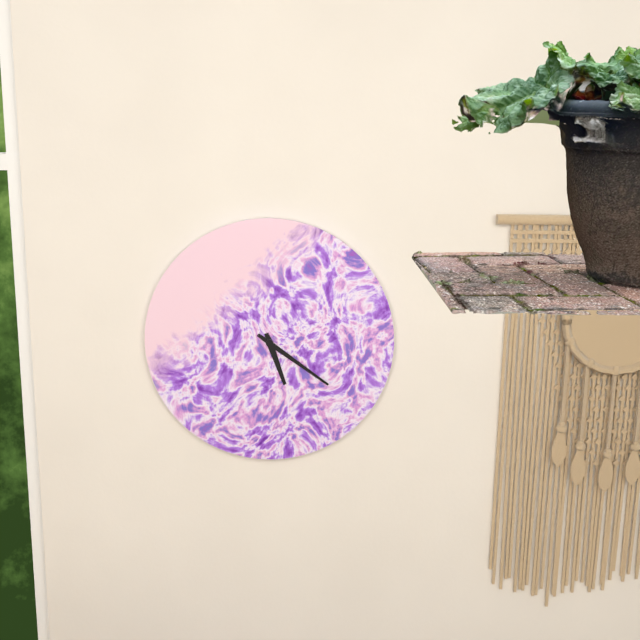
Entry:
5 h 21 min
